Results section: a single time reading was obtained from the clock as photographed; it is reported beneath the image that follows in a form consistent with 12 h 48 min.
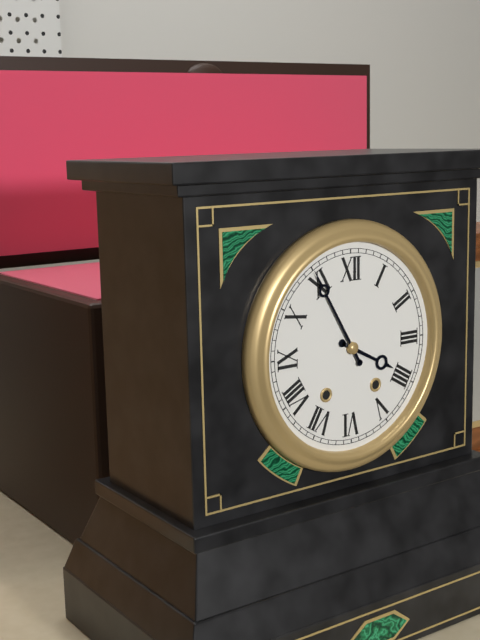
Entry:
3 h 55 min
